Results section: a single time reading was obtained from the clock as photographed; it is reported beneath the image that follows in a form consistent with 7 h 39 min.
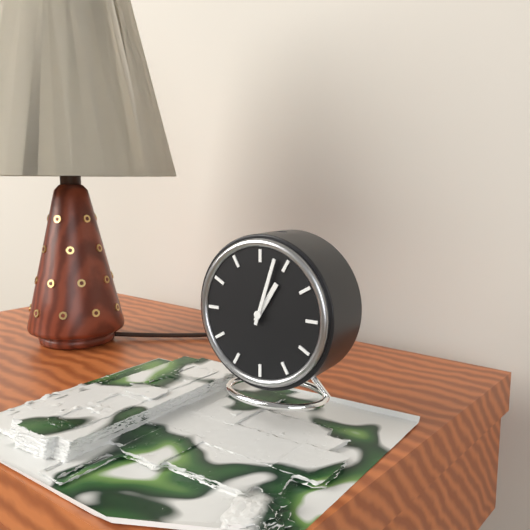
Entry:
1 h 03 min
